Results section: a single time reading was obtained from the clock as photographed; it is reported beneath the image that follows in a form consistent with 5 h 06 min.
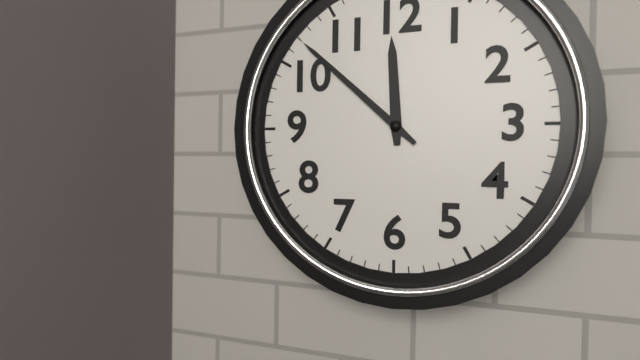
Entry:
11 h 52 min
